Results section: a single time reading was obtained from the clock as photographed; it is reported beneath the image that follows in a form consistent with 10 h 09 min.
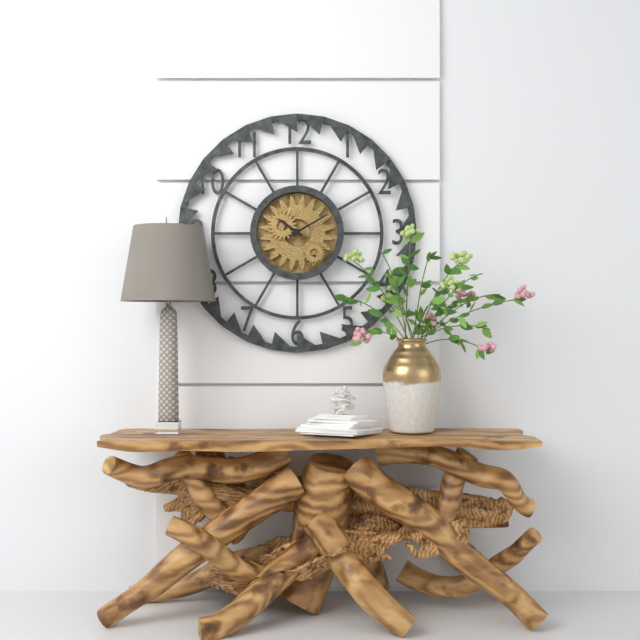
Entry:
10 h 10 min
